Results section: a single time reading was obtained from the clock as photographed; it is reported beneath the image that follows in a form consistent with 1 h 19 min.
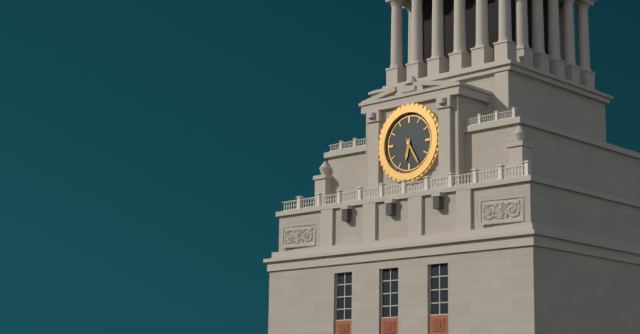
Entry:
6 h 25 min
